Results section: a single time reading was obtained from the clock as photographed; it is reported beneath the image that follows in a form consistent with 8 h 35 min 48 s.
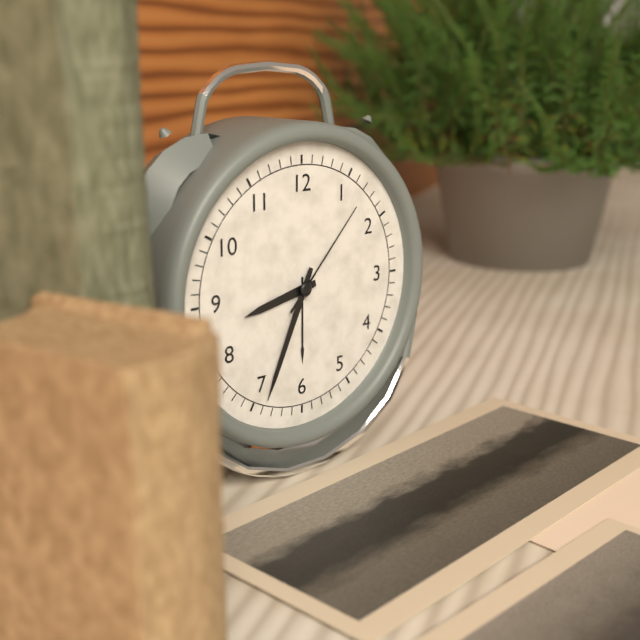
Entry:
8 h 34 min 07 s
